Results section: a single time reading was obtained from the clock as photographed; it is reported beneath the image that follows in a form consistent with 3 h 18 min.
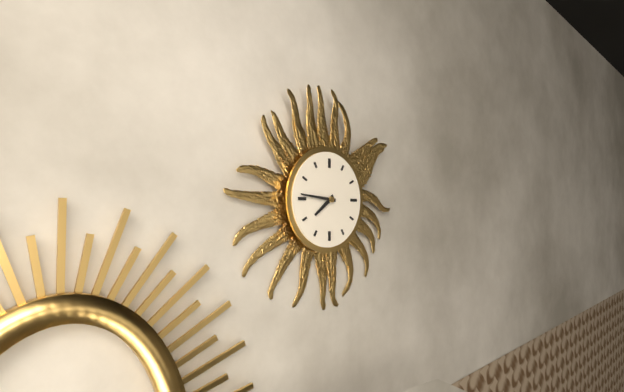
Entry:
7 h 46 min
